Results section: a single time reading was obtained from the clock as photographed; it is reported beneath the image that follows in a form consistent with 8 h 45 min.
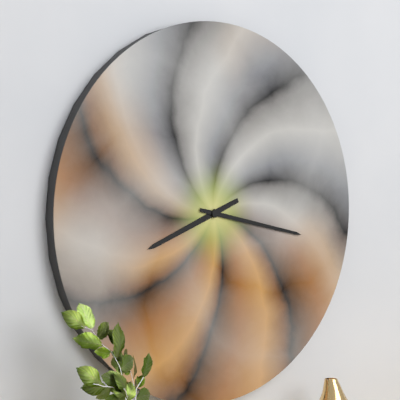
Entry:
8 h 17 min
